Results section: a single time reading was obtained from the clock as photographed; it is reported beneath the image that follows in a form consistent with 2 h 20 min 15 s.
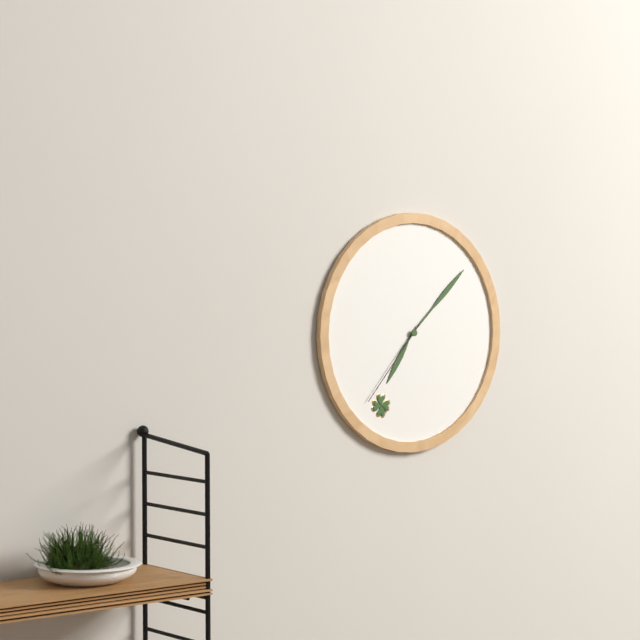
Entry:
7 h 08 min 37 s
